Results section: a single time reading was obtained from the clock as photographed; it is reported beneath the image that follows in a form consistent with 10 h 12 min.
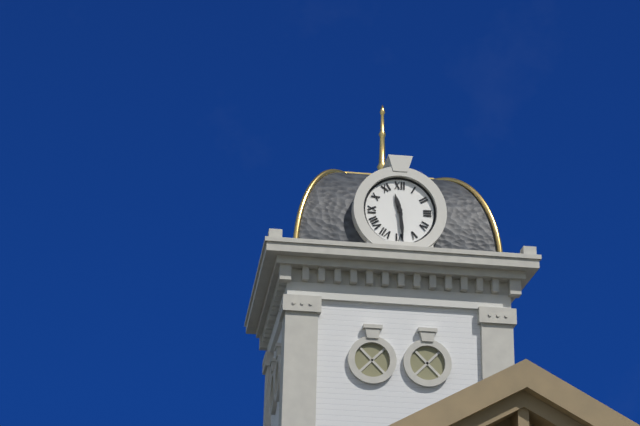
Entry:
11 h 29 min
